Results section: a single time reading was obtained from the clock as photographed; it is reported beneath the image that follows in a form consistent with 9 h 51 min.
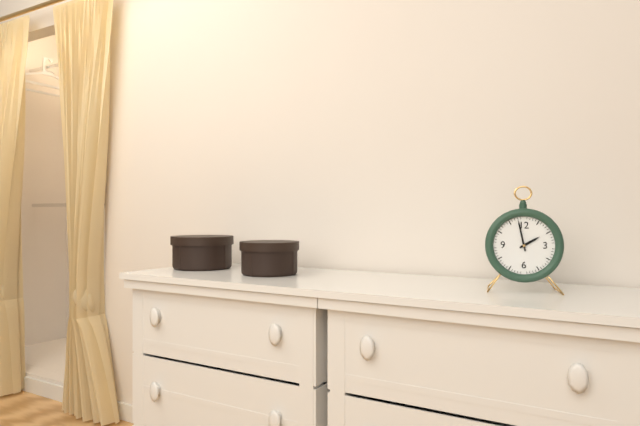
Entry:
1 h 58 min
